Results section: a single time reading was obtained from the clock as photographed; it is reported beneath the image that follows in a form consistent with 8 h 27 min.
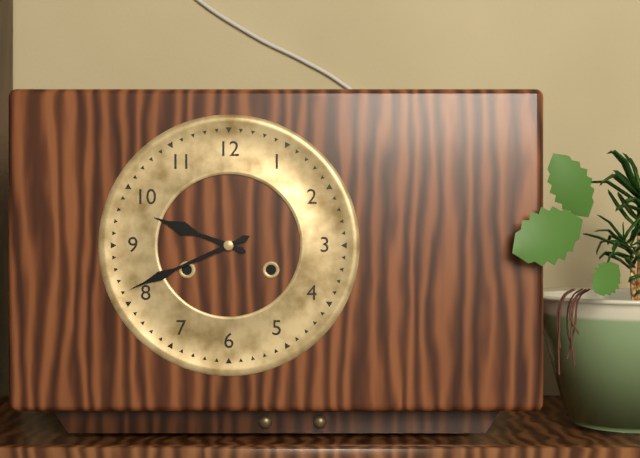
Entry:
9 h 41 min
